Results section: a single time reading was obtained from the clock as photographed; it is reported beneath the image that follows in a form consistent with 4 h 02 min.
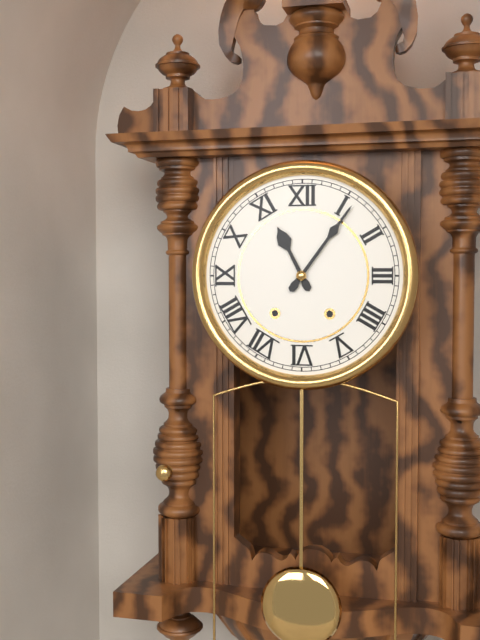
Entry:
11 h 06 min
